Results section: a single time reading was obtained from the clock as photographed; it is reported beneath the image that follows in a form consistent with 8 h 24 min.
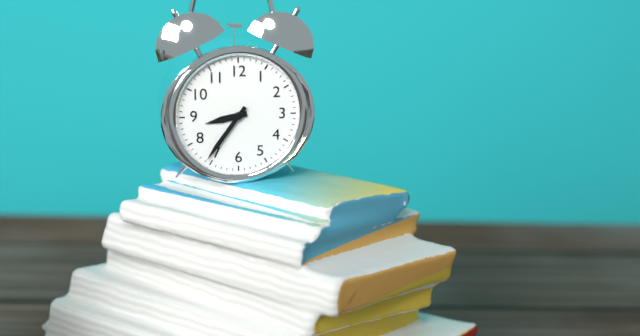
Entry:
8 h 36 min
